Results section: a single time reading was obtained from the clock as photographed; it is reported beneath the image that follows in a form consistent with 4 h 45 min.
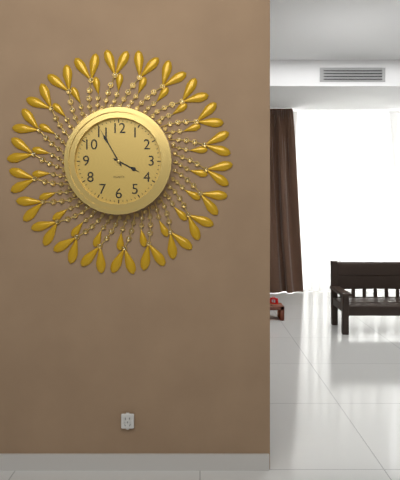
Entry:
3 h 55 min
